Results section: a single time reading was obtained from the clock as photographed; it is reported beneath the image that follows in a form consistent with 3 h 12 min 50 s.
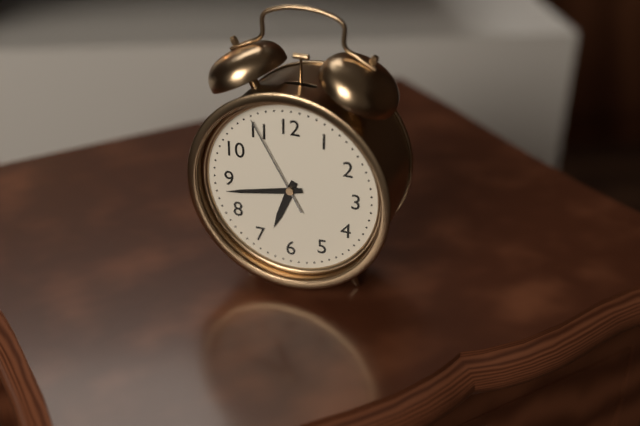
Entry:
6 h 43 min 55 s
